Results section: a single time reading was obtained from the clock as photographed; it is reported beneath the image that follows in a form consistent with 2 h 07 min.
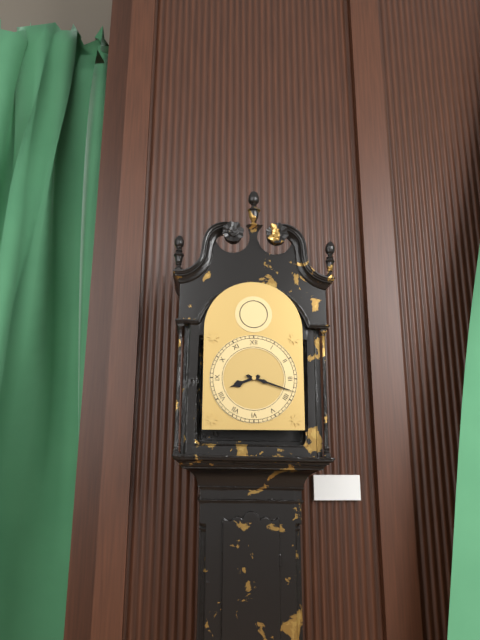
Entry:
8 h 18 min
